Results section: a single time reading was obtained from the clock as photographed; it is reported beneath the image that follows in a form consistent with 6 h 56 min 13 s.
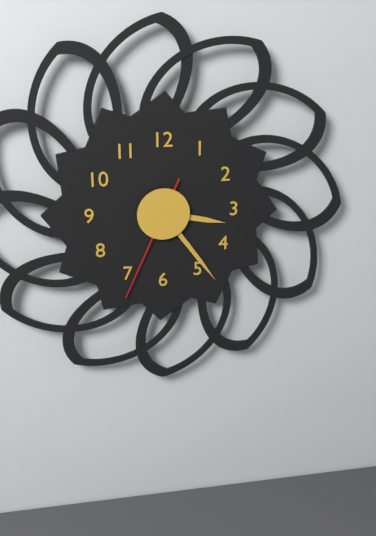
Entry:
3 h 24 min 34 s
